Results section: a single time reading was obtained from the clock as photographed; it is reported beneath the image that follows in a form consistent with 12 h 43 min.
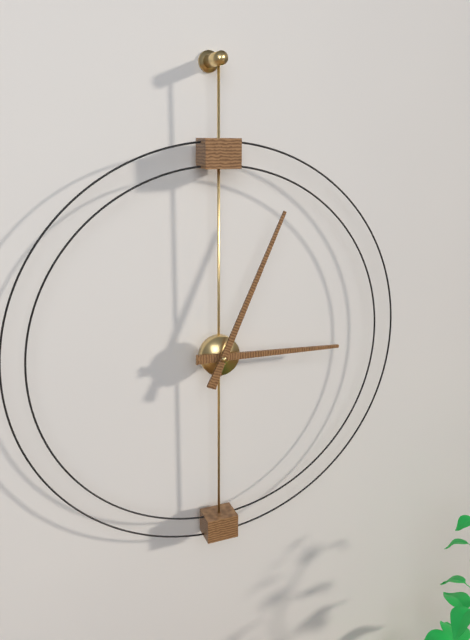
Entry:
3 h 04 min
